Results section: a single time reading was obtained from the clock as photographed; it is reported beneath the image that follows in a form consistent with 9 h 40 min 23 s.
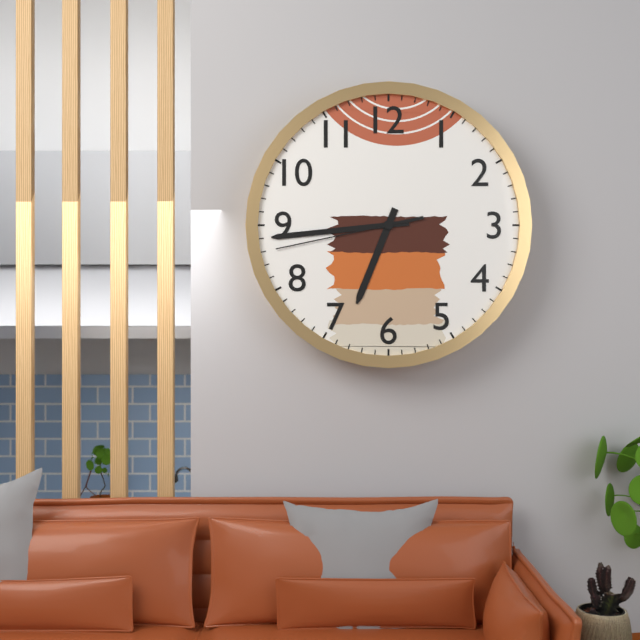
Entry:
6 h 44 min 43 s
